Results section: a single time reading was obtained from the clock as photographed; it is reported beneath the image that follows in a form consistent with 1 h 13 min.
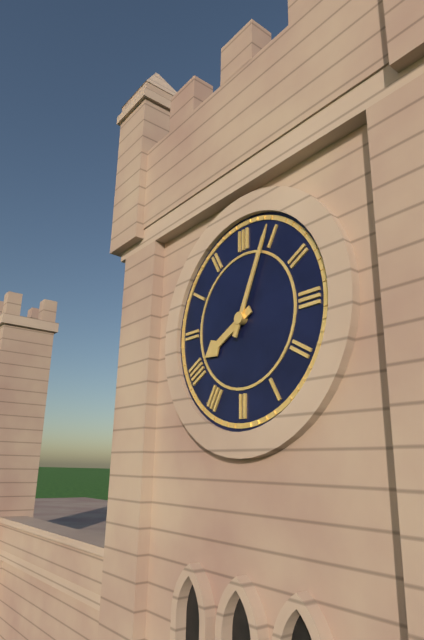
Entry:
8 h 04 min
